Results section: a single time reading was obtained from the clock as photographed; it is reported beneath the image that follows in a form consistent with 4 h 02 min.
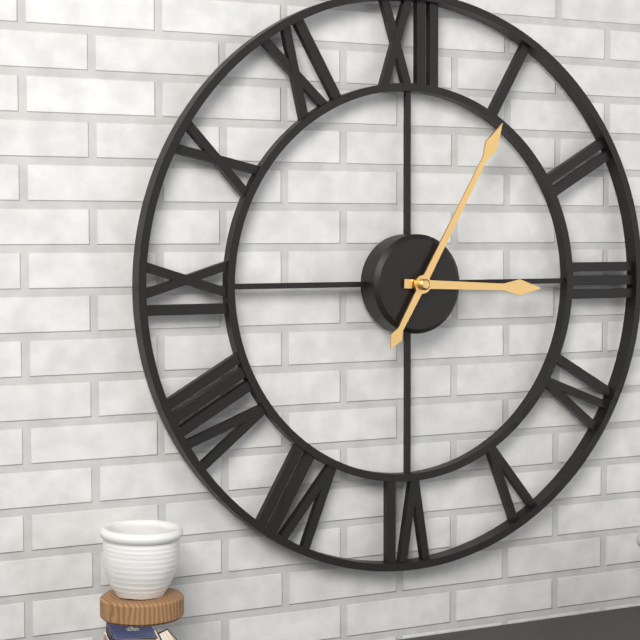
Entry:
3 h 05 min
